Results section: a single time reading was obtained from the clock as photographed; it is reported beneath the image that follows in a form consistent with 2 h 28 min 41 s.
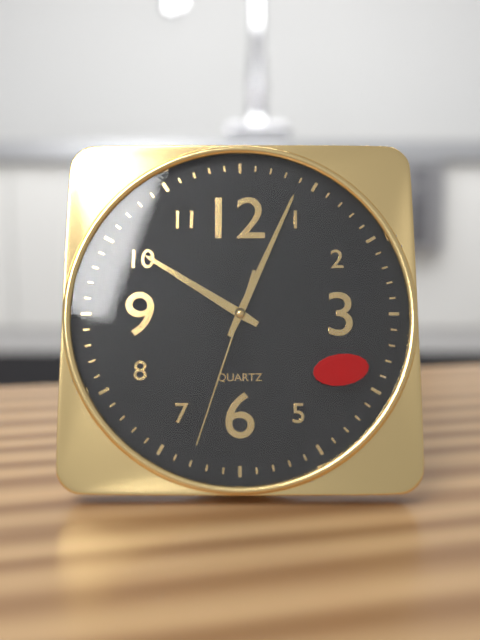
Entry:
10 h 04 min 33 s
